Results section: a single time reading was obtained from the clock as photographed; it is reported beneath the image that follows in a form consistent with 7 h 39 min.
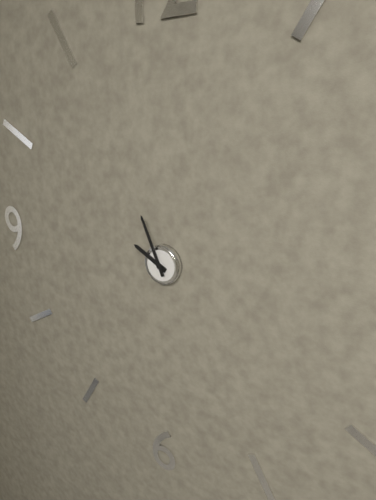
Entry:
9 h 56 min
